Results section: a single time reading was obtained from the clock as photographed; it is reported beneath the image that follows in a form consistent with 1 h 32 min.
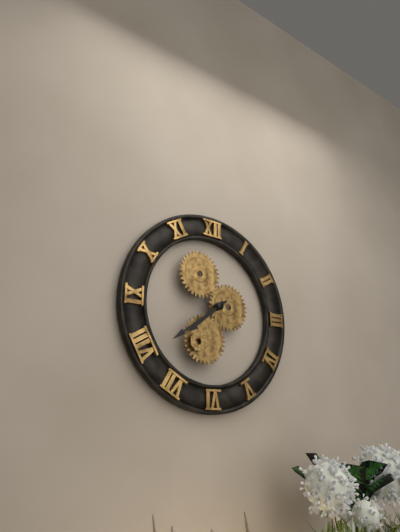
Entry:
7 h 39 min
